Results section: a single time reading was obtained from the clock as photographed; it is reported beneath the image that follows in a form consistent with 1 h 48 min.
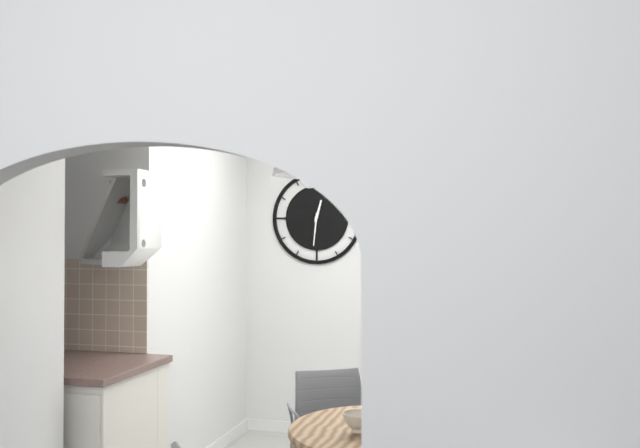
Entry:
12 h 31 min
